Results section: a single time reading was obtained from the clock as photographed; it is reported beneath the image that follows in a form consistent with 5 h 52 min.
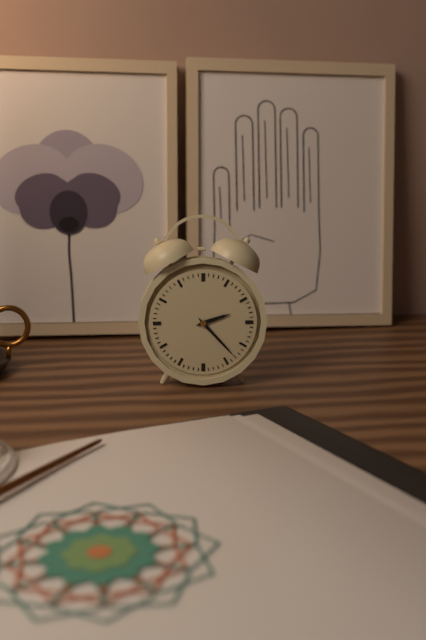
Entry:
2 h 23 min
